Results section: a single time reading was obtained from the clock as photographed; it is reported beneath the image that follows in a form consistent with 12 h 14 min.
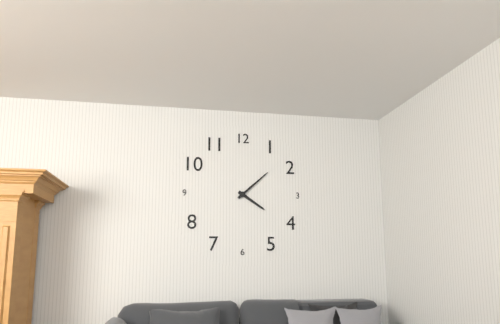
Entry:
4 h 08 min
